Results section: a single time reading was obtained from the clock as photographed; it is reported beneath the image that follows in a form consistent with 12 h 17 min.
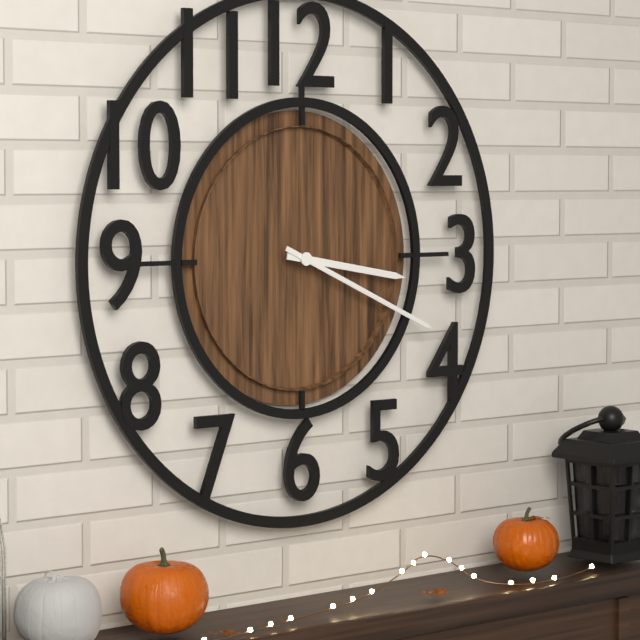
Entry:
3 h 19 min
